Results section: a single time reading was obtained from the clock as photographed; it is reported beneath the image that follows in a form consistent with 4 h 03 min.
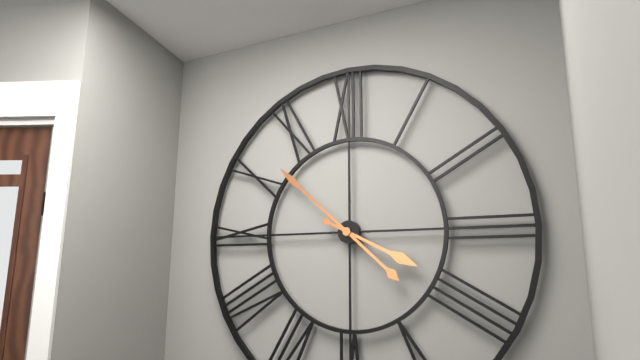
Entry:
3 h 52 min
